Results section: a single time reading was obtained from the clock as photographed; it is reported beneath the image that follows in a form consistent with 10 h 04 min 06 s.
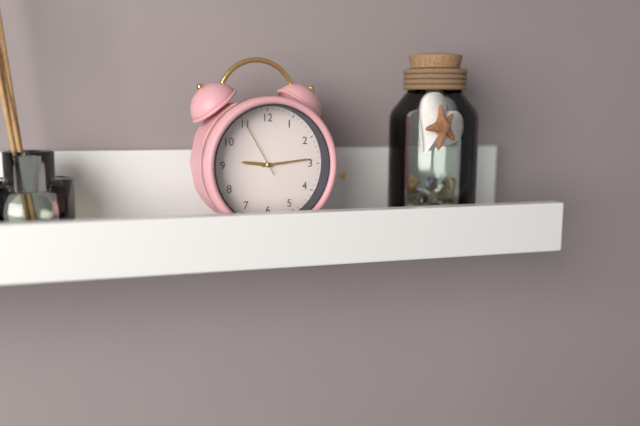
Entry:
9 h 14 min 55 s
